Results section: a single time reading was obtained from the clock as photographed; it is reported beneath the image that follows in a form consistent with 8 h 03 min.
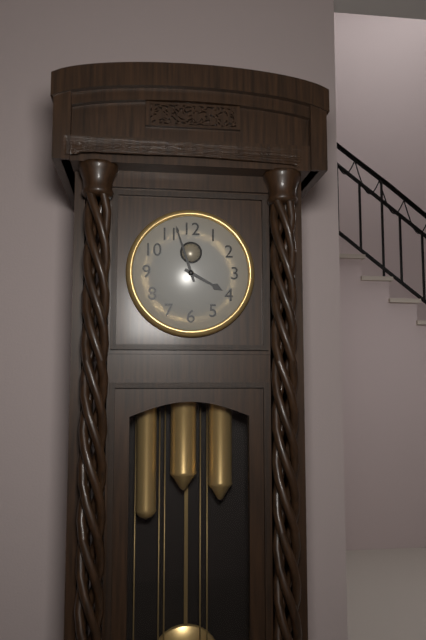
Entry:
3 h 57 min
